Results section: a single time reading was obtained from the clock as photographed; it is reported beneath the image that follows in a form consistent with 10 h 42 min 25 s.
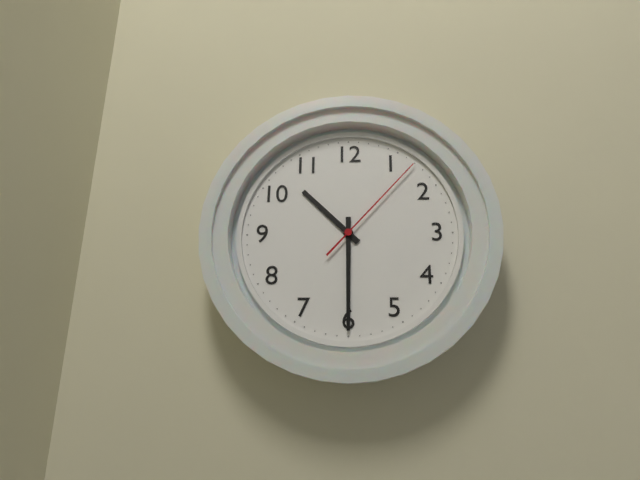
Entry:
10 h 30 min 07 s
